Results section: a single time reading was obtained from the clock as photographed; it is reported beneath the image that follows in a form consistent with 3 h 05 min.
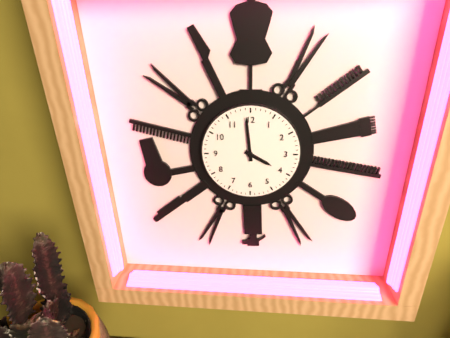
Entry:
3 h 59 min
